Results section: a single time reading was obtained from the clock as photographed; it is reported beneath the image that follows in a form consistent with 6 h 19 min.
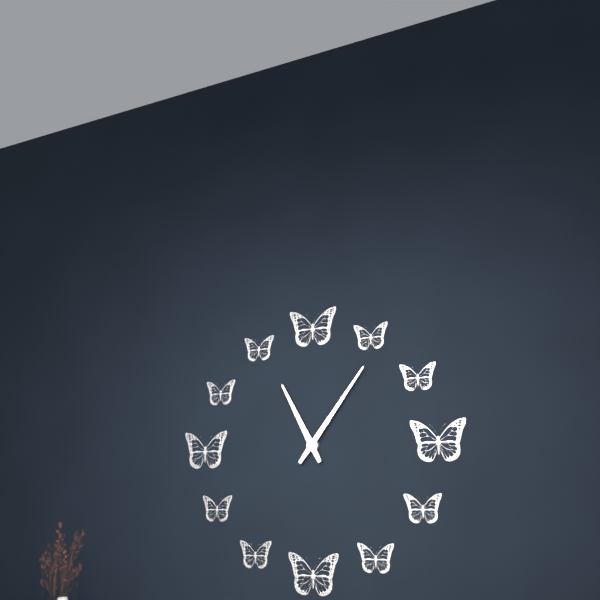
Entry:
11 h 06 min
